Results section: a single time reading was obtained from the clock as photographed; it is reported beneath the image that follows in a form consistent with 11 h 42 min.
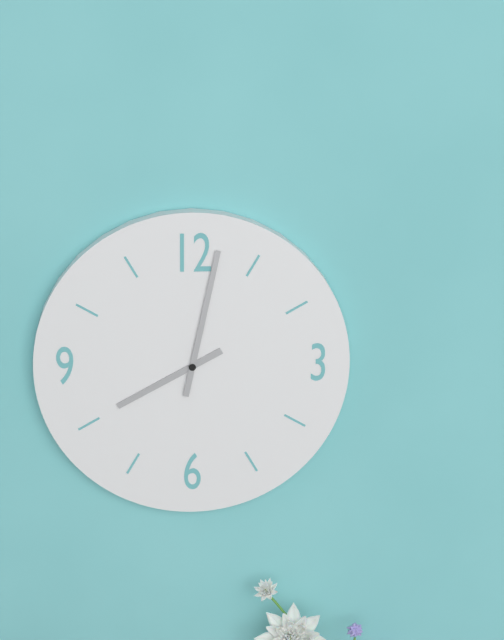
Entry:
8 h 02 min
